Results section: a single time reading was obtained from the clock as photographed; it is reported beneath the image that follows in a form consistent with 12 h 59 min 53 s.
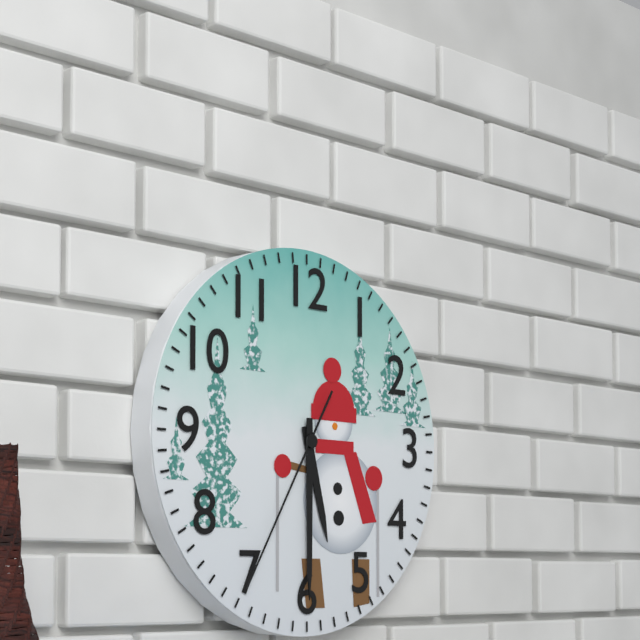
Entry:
5 h 30 min 35 s
